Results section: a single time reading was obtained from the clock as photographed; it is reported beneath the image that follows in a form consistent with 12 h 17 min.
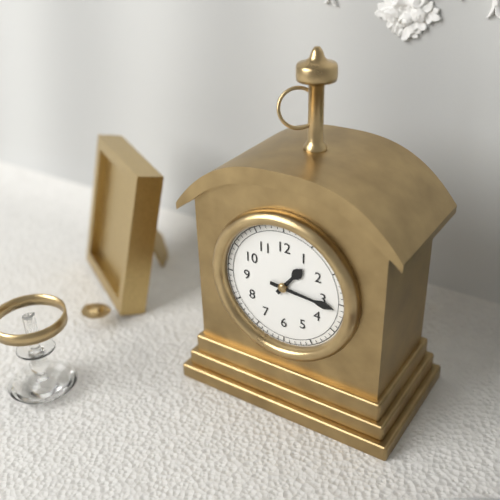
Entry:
1 h 16 min
